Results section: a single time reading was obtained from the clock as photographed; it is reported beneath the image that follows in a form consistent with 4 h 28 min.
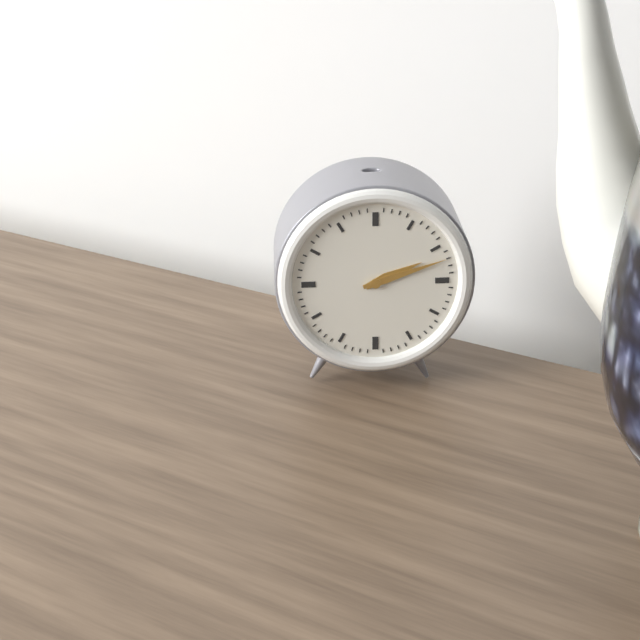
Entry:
2 h 12 min
